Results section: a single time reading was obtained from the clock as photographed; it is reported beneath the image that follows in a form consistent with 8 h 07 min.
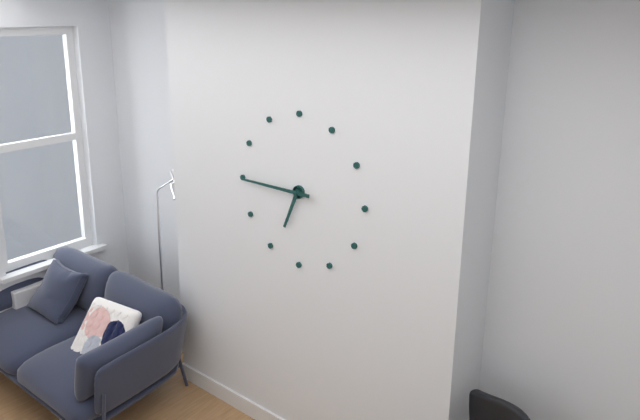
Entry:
6 h 45 min
